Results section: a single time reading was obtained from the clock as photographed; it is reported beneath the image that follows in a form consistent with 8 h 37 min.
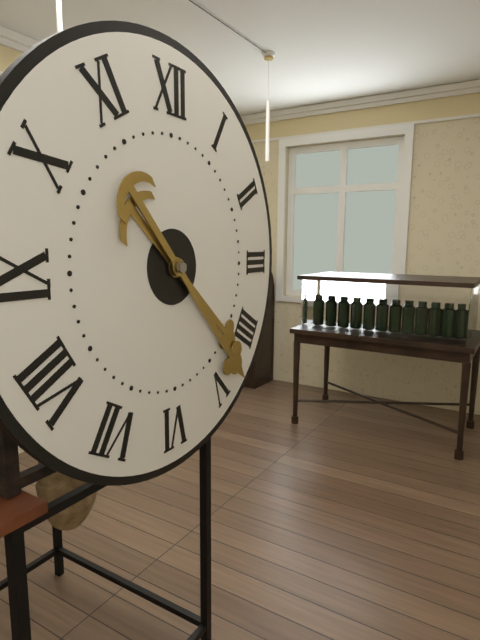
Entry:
4 h 23 min
